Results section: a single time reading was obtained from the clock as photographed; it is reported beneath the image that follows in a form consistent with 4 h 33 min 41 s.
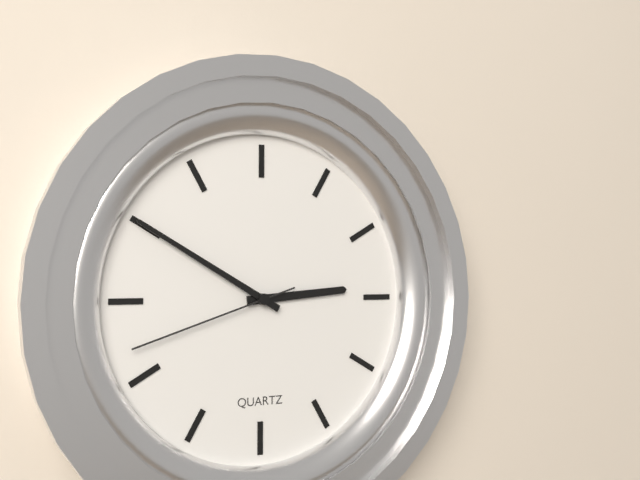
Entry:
2 h 50 min 42 s
